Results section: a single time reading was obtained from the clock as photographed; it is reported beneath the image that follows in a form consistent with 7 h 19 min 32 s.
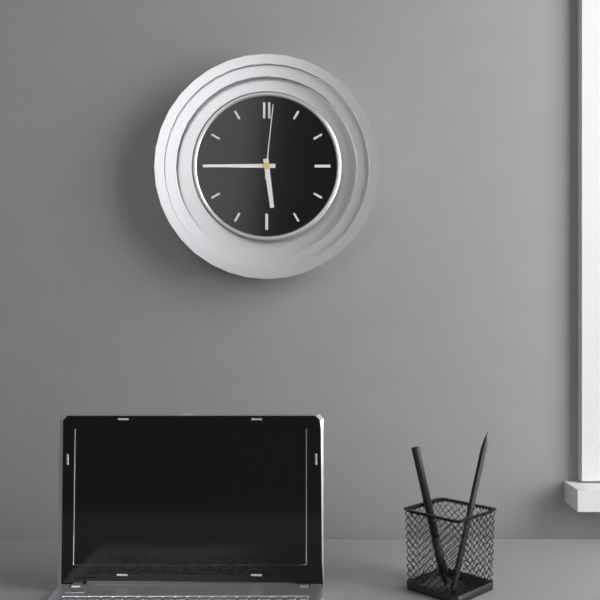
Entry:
5 h 45 min 01 s
